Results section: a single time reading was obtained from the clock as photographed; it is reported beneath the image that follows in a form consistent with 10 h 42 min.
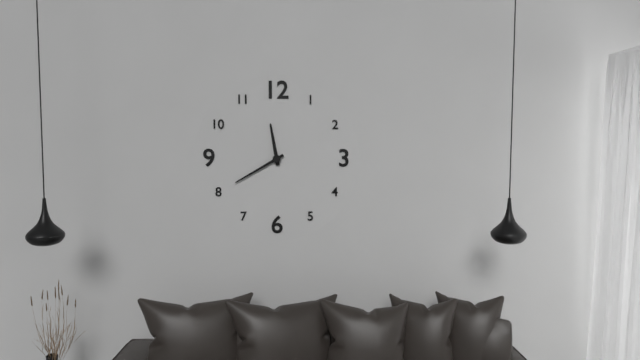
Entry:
11 h 40 min
